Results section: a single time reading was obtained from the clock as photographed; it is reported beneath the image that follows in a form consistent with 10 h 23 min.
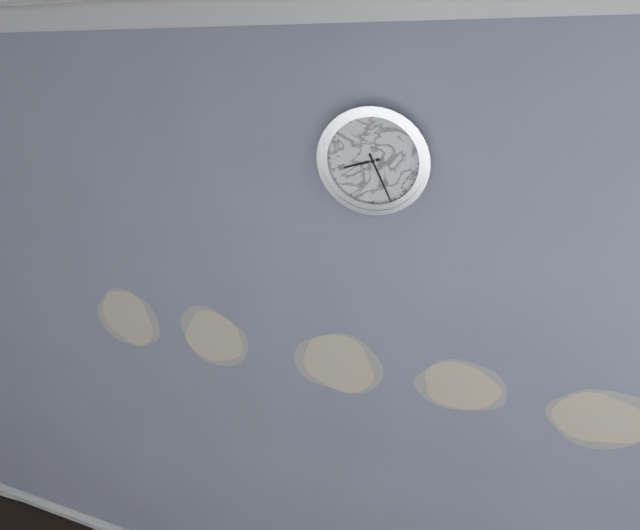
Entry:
8 h 26 min
